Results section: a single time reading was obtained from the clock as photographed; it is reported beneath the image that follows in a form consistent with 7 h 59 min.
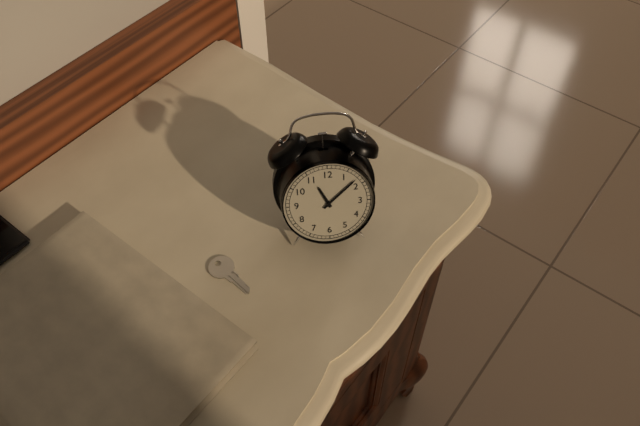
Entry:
11 h 08 min
